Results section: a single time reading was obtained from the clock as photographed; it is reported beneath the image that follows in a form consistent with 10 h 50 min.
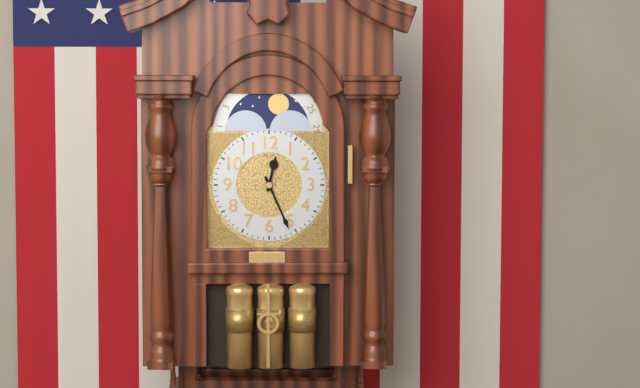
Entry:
12 h 26 min
